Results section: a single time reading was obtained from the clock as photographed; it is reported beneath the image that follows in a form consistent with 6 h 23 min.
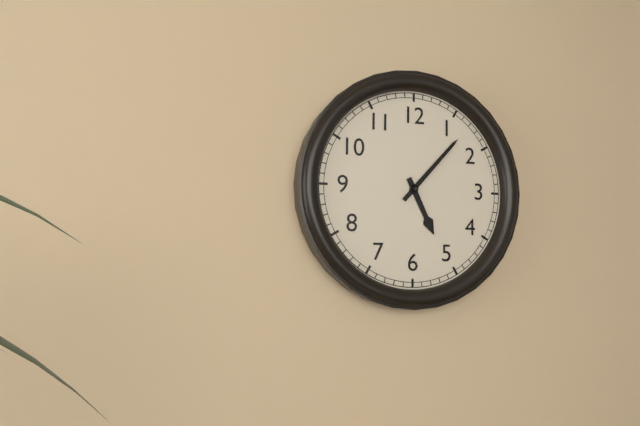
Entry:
5 h 07 min
